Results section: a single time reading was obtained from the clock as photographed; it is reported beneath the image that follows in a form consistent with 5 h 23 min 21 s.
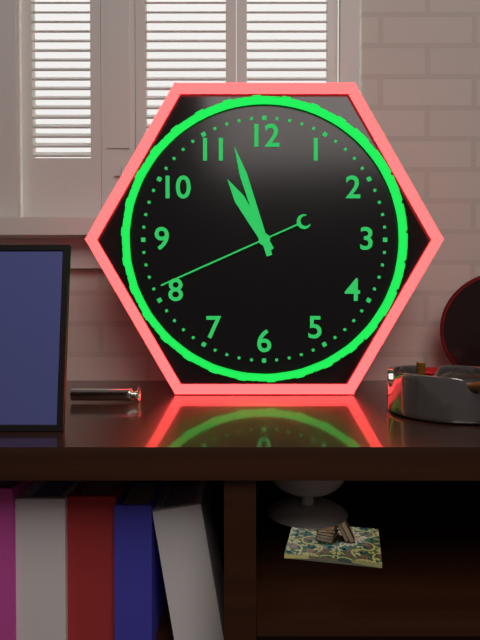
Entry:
10 h 57 min 41 s
